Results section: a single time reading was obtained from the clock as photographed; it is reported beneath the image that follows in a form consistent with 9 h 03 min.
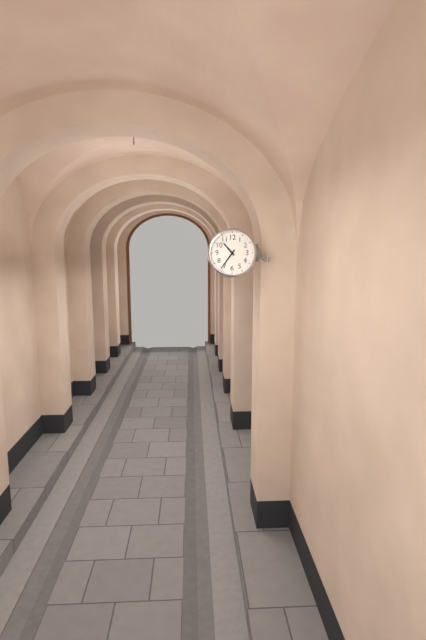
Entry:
10 h 36 min
